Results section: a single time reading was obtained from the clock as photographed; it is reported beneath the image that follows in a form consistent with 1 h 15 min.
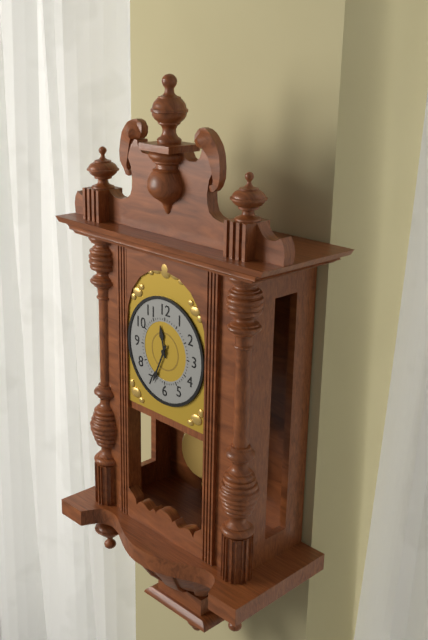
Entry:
11 h 34 min
